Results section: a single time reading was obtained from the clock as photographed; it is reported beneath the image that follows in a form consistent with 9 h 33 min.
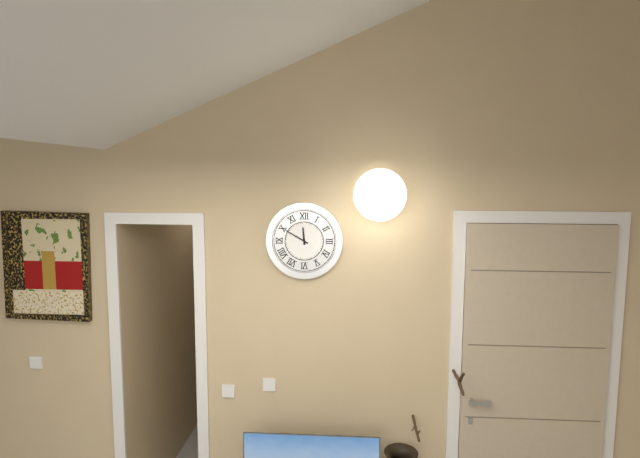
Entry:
11 h 50 min
